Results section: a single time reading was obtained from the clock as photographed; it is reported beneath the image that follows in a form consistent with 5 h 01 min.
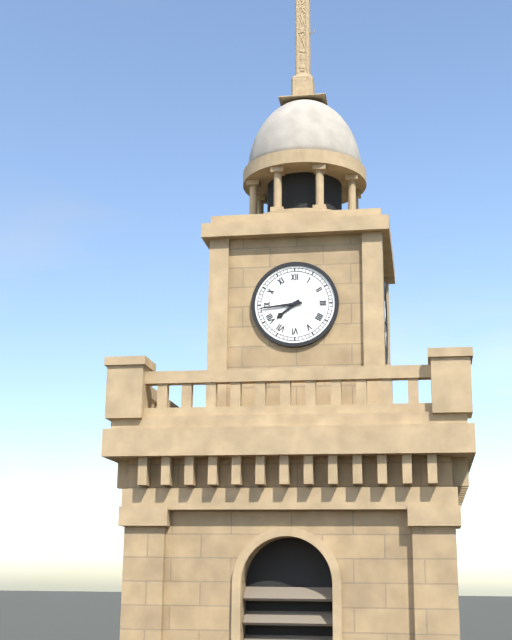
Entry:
7 h 44 min
